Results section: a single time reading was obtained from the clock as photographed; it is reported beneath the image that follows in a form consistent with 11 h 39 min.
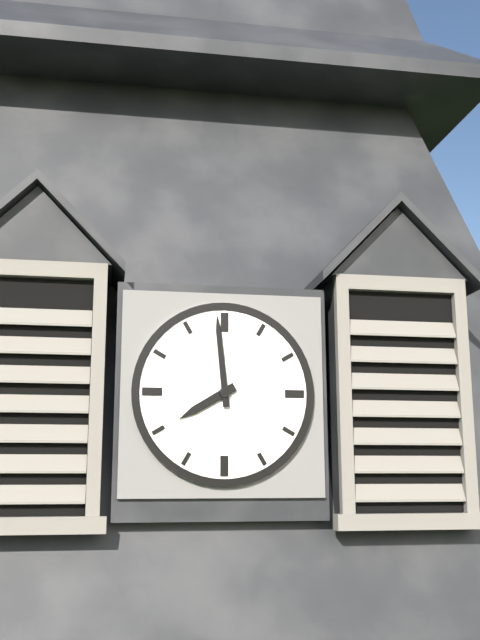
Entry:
7 h 59 min
